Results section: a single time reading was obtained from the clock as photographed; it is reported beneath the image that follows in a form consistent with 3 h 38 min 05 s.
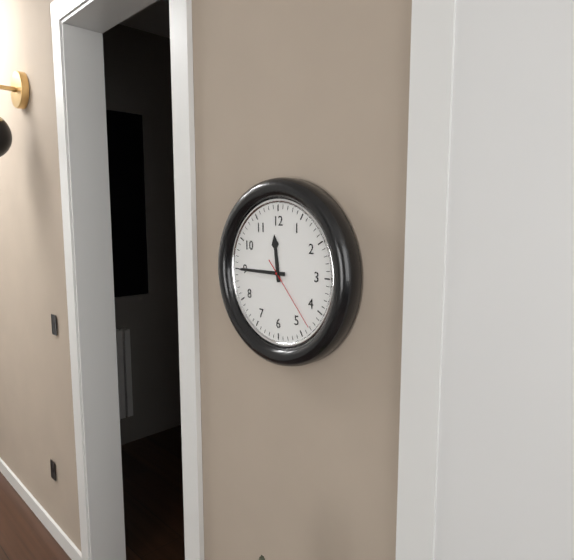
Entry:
11 h 45 min 23 s
